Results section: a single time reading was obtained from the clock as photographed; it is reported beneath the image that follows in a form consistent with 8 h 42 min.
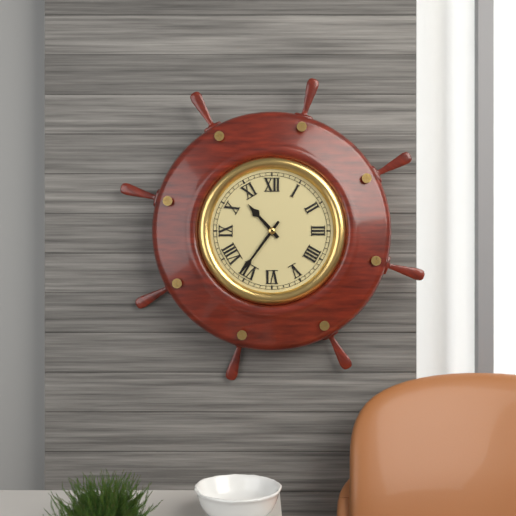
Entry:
10 h 36 min
